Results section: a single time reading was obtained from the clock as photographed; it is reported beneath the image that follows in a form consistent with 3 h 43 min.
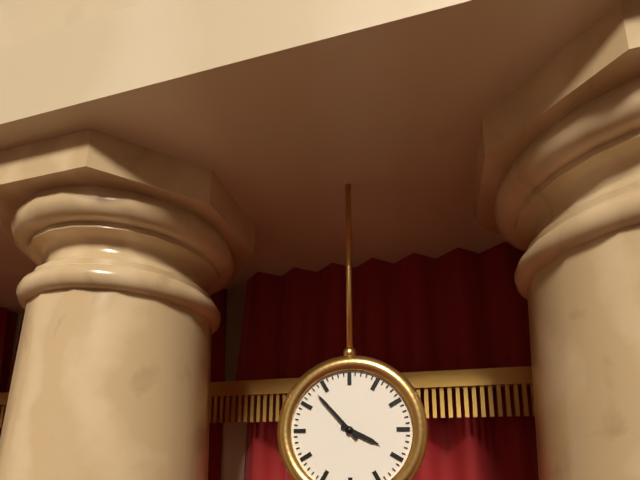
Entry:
3 h 53 min
